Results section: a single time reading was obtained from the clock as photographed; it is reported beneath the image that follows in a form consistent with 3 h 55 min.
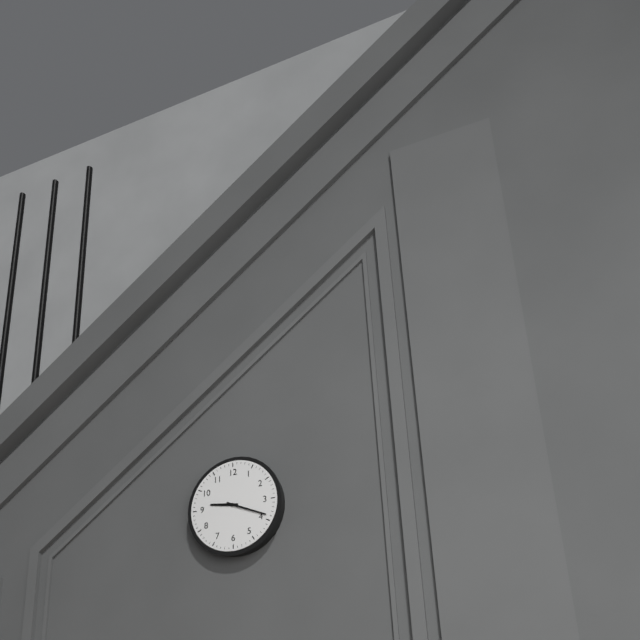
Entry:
9 h 19 min
